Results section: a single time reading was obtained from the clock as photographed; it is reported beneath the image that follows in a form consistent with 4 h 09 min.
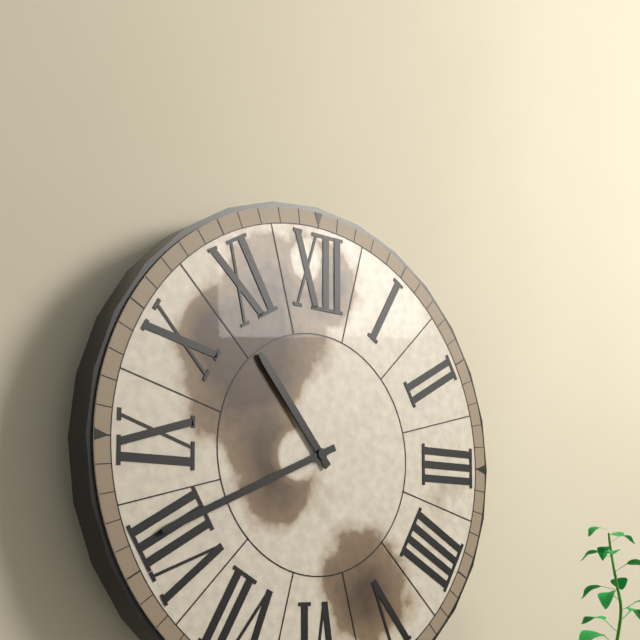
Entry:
10 h 41 min
